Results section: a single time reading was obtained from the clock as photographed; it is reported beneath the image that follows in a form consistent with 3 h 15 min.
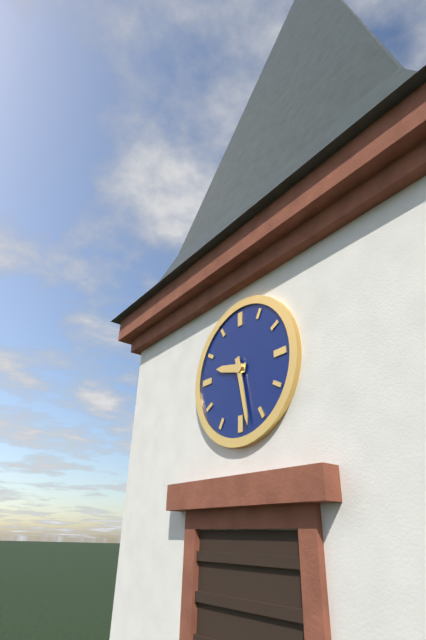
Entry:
9 h 28 min
